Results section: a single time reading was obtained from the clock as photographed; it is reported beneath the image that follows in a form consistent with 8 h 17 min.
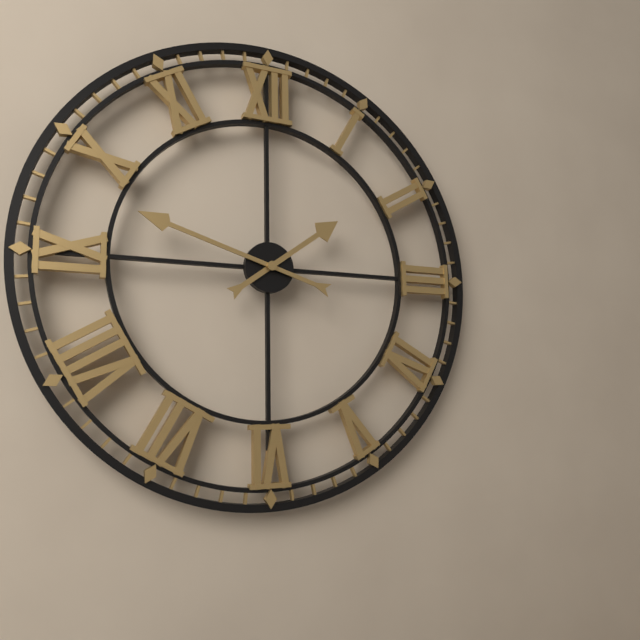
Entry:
1 h 48 min
